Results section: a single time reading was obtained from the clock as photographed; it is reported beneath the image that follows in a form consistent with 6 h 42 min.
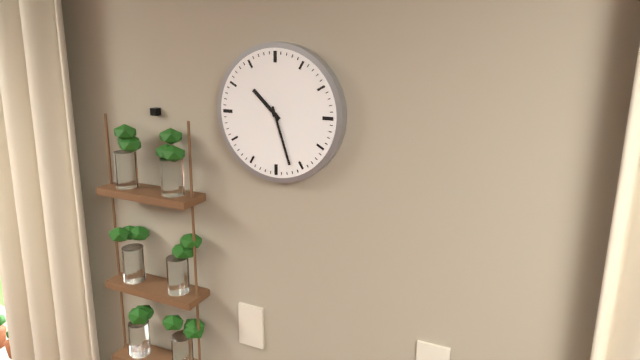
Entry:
10 h 27 min
